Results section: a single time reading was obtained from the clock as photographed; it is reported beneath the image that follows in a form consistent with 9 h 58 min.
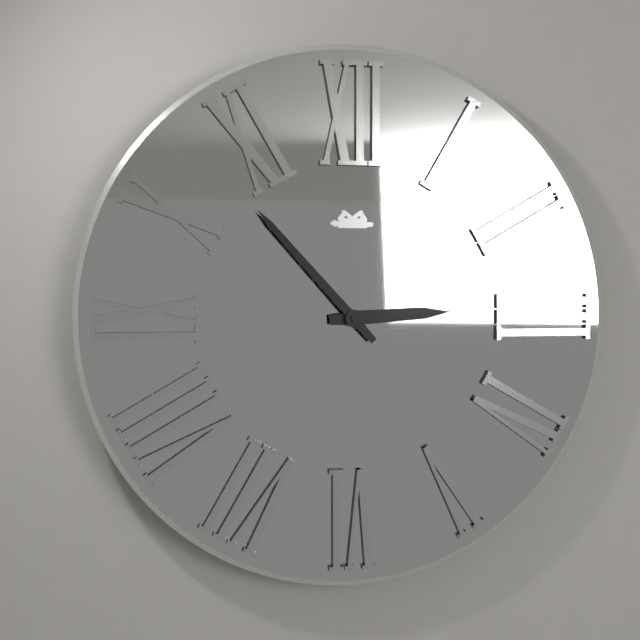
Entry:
2 h 53 min
